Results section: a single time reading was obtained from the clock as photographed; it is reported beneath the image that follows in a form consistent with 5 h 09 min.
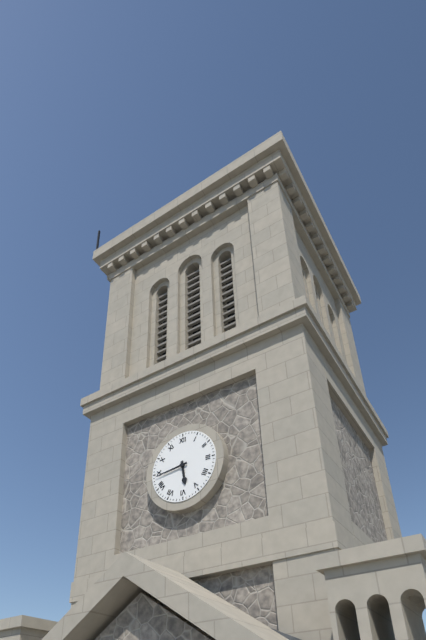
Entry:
5 h 44 min
